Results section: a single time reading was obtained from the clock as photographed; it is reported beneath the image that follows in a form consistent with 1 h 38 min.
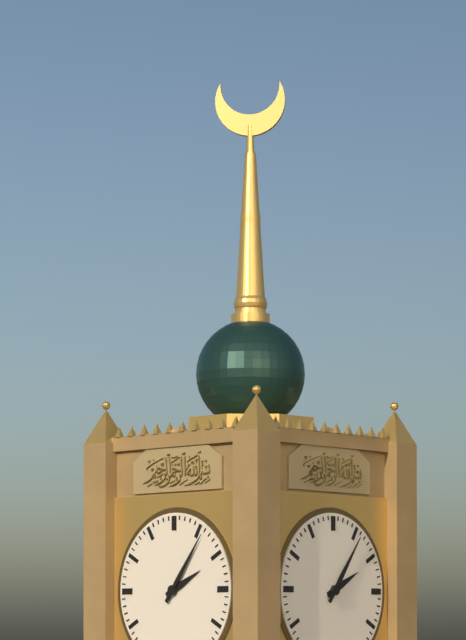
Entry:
2 h 06 min
